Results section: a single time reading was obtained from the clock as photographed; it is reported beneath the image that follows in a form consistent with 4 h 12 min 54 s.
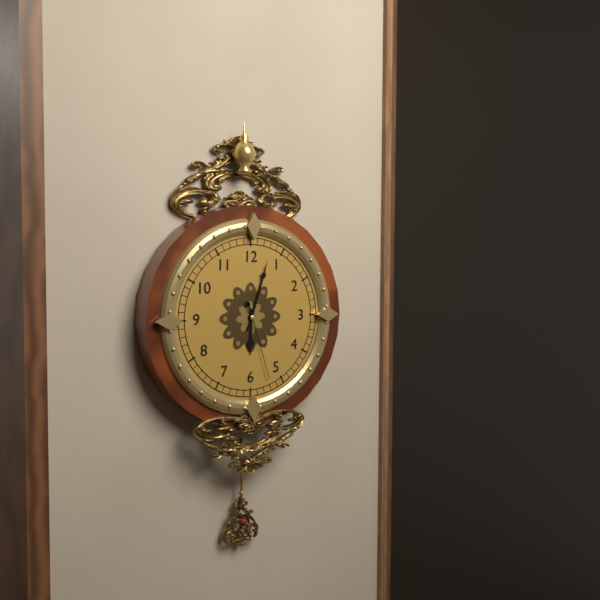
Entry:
6 h 03 min 27 s
